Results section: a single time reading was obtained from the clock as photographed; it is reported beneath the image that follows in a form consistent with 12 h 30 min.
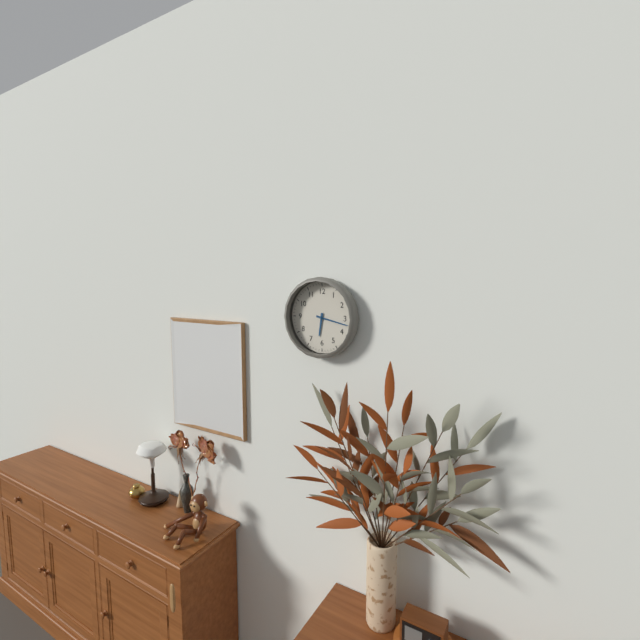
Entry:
6 h 17 min
